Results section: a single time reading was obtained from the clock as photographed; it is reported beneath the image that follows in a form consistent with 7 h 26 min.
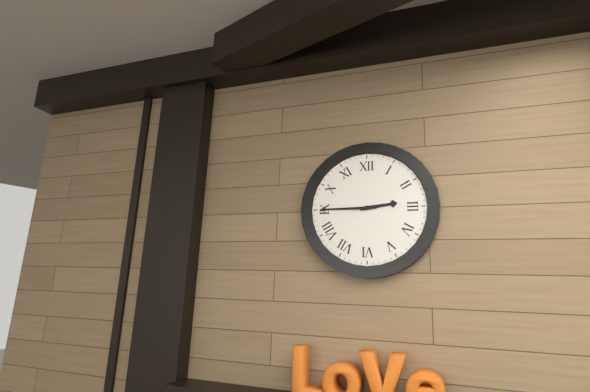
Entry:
2 h 45 min
